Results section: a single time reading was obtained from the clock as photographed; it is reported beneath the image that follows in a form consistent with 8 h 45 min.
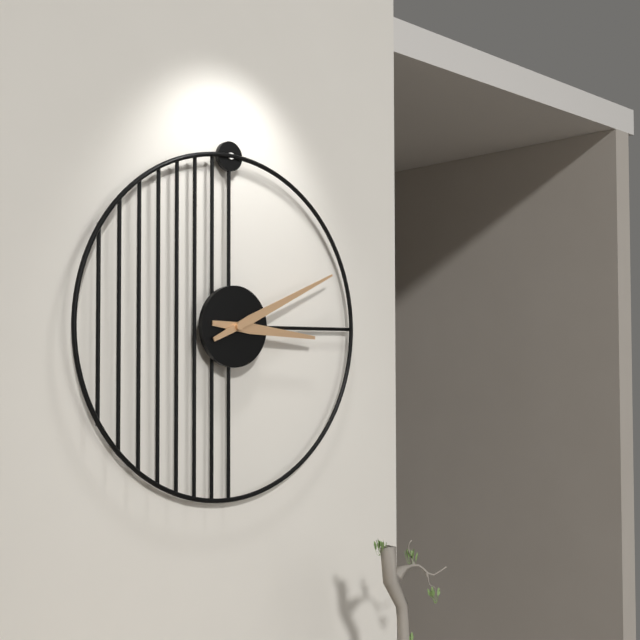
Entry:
3 h 11 min
